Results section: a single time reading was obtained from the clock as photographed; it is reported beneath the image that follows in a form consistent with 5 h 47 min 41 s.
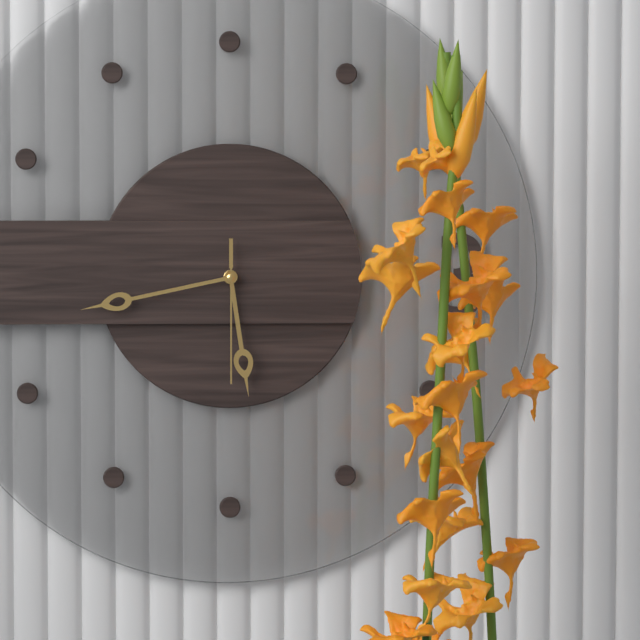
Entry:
5 h 43 min 30 s
